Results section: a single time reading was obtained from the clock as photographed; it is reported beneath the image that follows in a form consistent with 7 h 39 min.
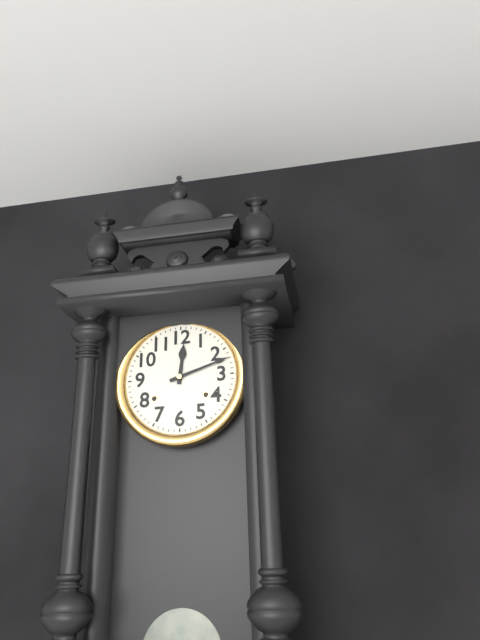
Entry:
12 h 12 min
